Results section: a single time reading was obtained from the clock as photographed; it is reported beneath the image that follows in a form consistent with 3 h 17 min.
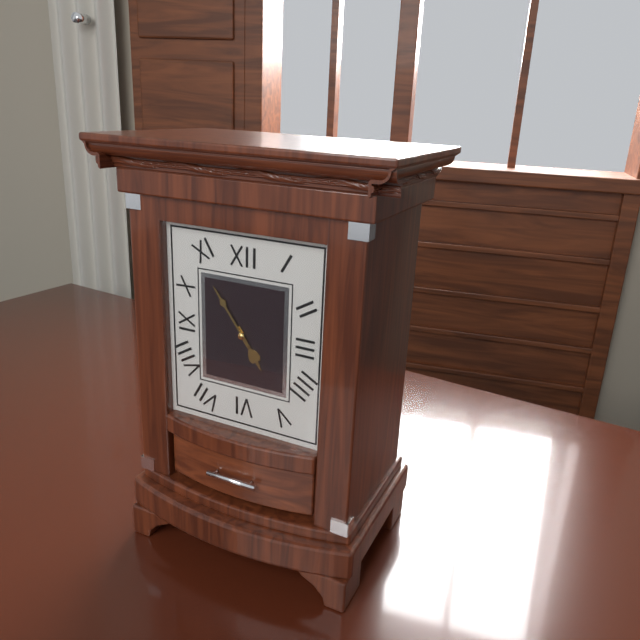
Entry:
4 h 54 min
